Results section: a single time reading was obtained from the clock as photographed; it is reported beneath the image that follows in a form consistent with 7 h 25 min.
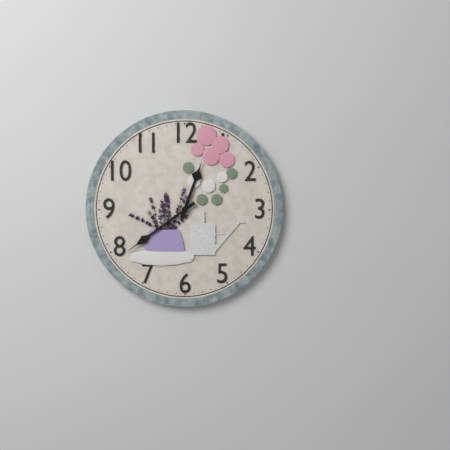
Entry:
12 h 39 min
